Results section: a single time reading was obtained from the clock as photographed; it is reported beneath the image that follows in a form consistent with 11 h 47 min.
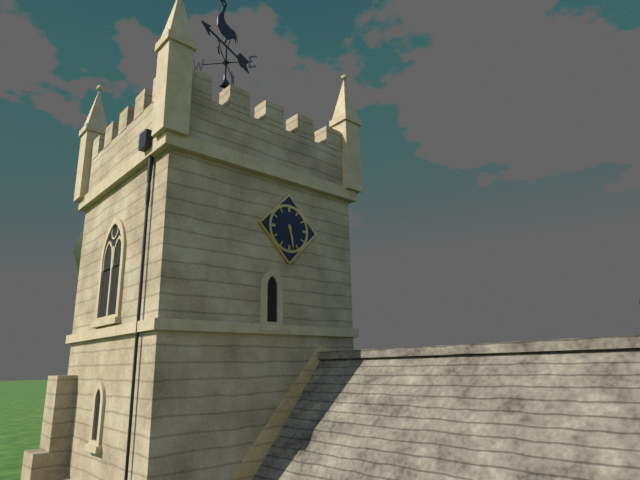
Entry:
5 h 28 min
